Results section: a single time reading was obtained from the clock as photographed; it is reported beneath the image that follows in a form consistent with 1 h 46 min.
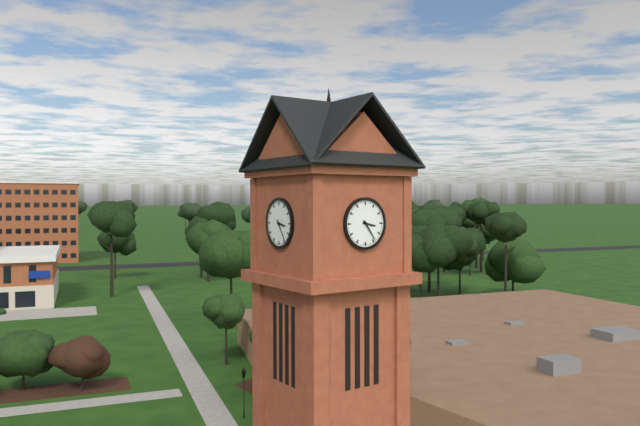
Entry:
3 h 24 min
